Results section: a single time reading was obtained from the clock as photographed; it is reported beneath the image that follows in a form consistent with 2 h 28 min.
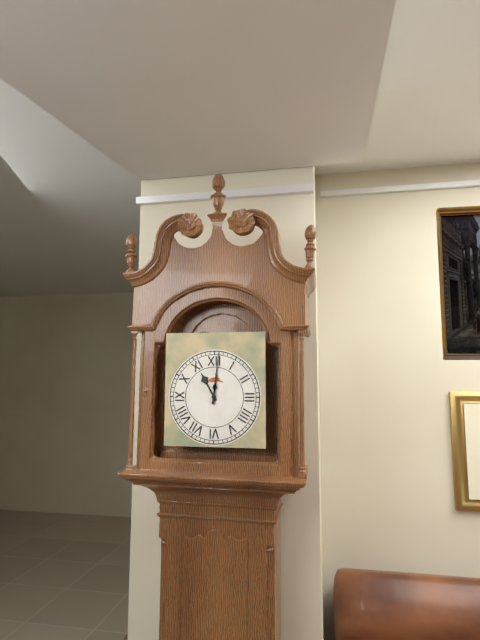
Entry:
11 h 01 min
